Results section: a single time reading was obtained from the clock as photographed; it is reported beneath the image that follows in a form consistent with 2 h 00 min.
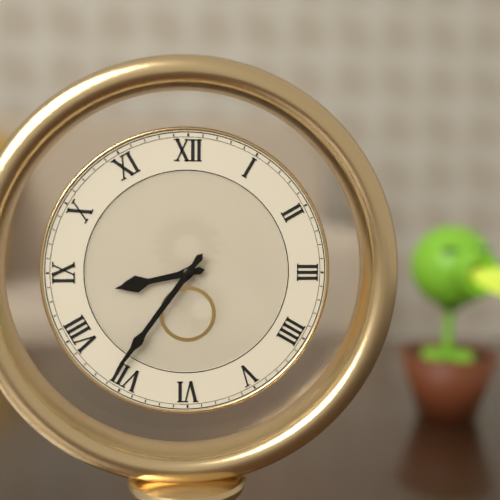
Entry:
8 h 36 min
